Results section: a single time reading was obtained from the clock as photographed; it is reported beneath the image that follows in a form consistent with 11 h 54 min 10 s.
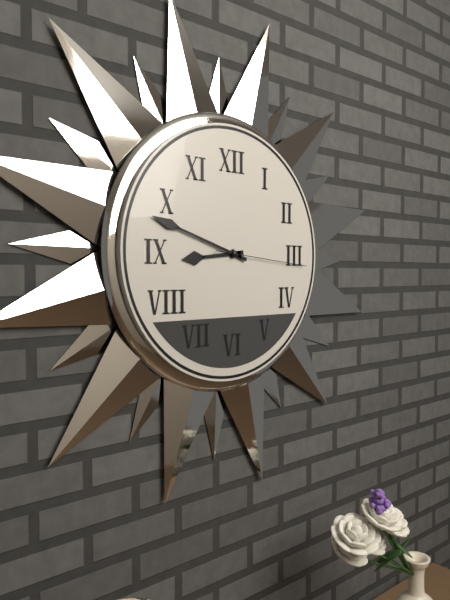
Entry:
8 h 48 min 16 s
